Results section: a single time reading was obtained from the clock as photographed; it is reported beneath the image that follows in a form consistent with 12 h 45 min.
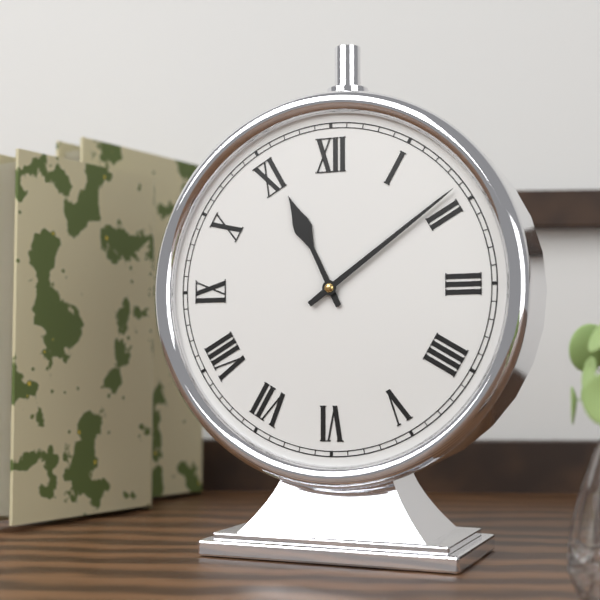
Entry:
11 h 09 min
